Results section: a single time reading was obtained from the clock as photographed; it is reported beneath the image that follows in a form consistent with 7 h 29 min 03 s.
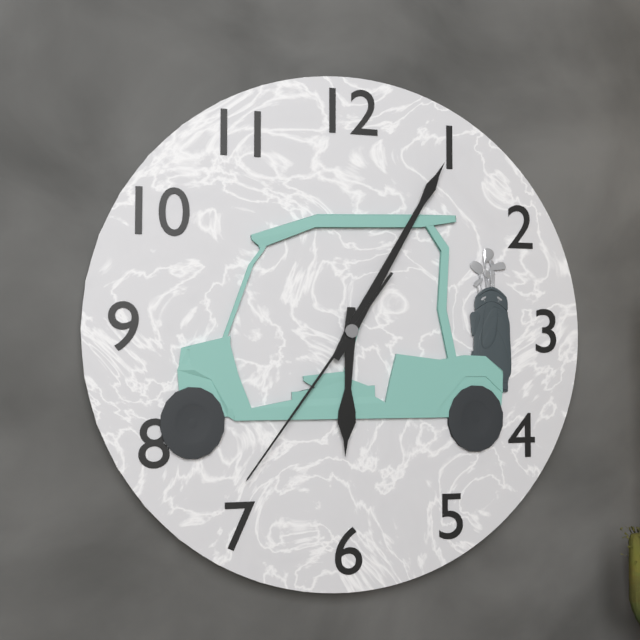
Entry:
6 h 05 min 36 s
